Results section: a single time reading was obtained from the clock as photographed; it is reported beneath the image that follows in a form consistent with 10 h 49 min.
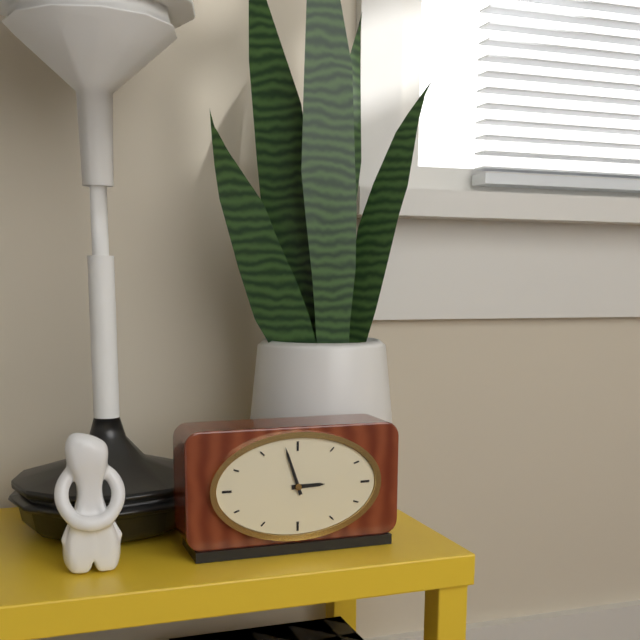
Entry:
2 h 57 min
